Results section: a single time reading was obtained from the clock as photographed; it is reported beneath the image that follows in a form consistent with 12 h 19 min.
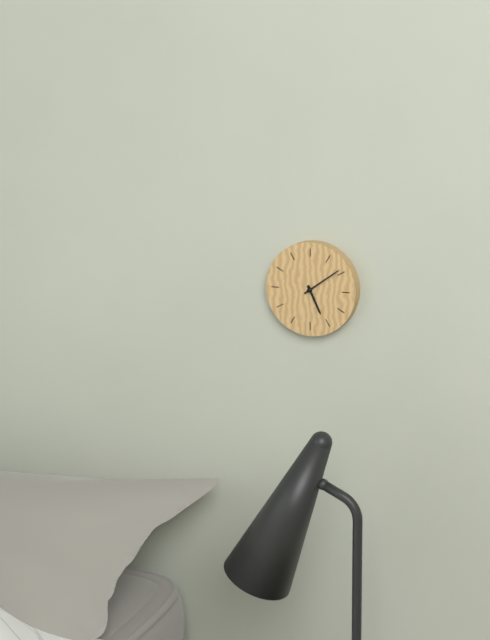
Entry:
5 h 09 min
